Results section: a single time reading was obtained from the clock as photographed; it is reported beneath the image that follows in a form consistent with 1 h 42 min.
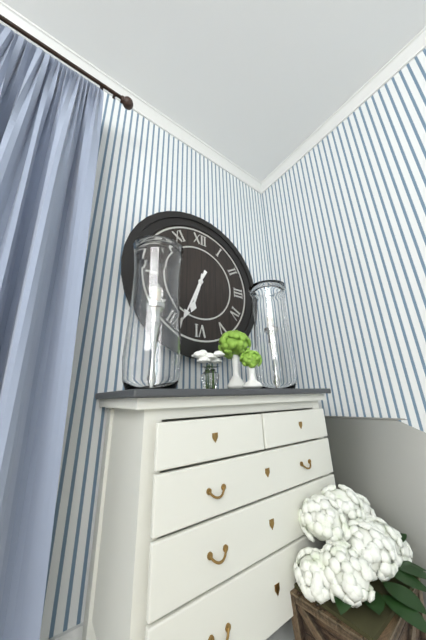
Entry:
6 h 34 min
